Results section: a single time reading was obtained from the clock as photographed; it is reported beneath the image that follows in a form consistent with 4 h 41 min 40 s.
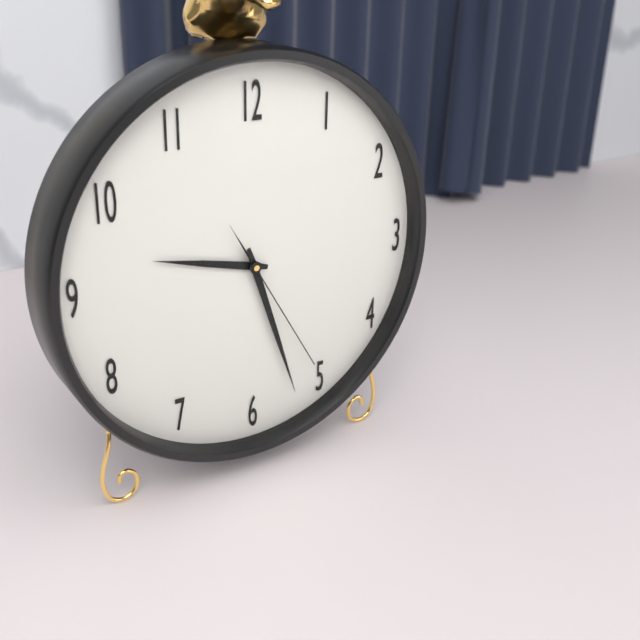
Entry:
9 h 27 min 25 s
